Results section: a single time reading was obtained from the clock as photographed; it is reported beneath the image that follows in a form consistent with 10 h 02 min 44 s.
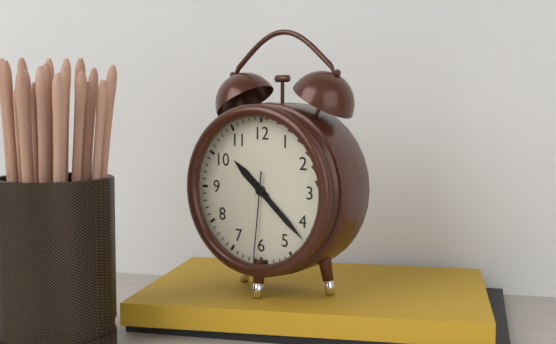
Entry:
10 h 22 min 31 s
